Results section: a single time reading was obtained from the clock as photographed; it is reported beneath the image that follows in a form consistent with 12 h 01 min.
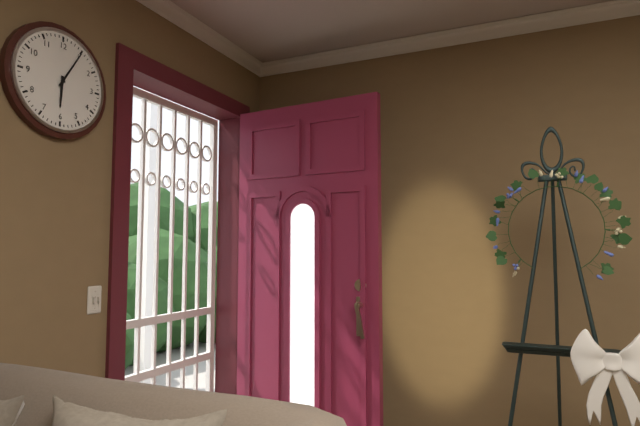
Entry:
6 h 05 min
